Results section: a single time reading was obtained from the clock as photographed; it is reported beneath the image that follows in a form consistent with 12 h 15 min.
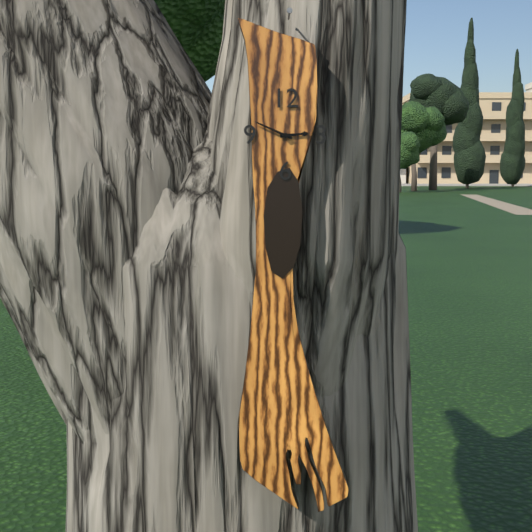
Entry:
2 h 49 min
